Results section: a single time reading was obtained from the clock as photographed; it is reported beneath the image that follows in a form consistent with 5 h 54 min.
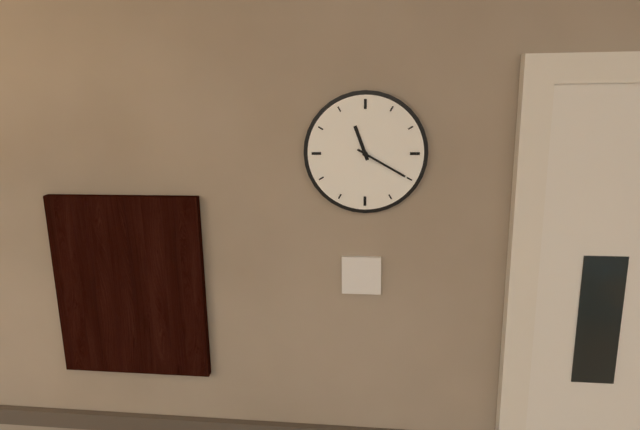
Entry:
11 h 20 min
